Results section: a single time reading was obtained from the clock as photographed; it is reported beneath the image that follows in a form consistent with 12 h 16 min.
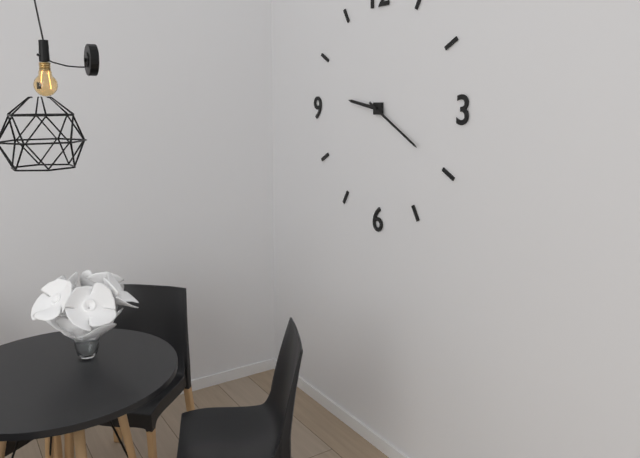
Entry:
9 h 20 min
